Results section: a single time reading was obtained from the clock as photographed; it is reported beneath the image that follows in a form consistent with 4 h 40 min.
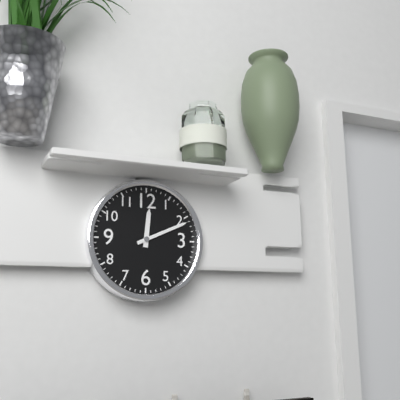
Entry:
12 h 11 min
